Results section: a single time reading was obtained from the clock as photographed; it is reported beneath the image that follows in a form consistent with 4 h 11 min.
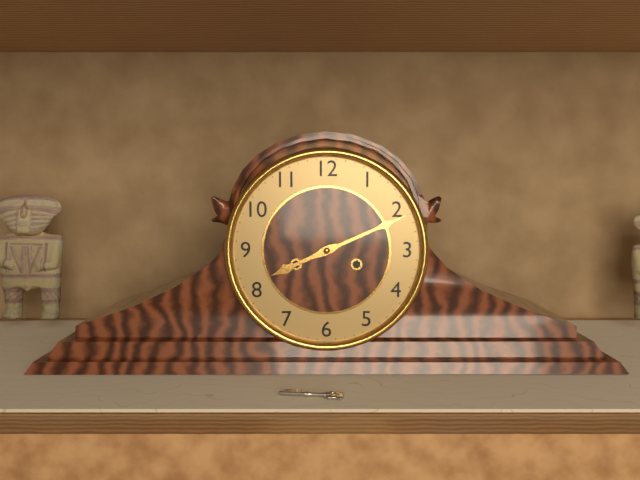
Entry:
8 h 11 min
